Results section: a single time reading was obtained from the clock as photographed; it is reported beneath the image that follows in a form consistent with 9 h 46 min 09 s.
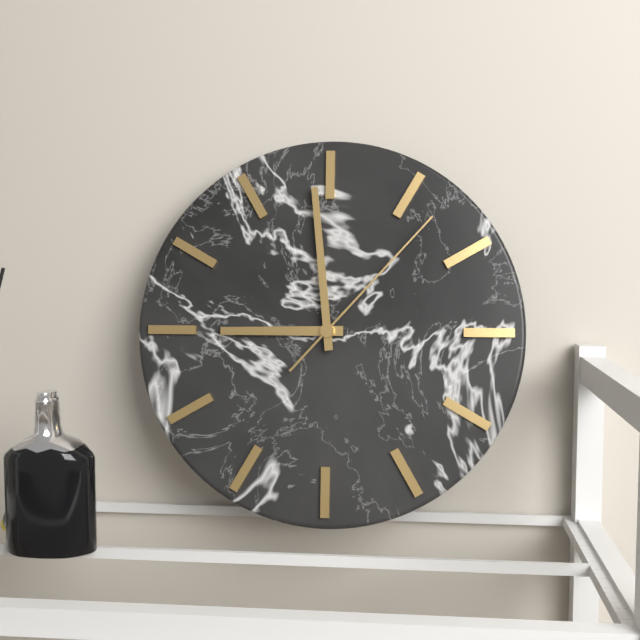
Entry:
8 h 59 min 07 s
